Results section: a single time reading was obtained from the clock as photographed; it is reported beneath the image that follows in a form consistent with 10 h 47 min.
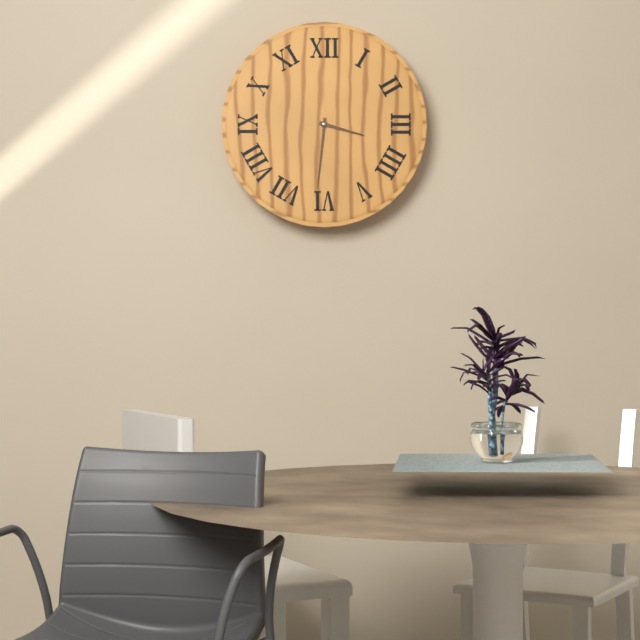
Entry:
3 h 31 min
